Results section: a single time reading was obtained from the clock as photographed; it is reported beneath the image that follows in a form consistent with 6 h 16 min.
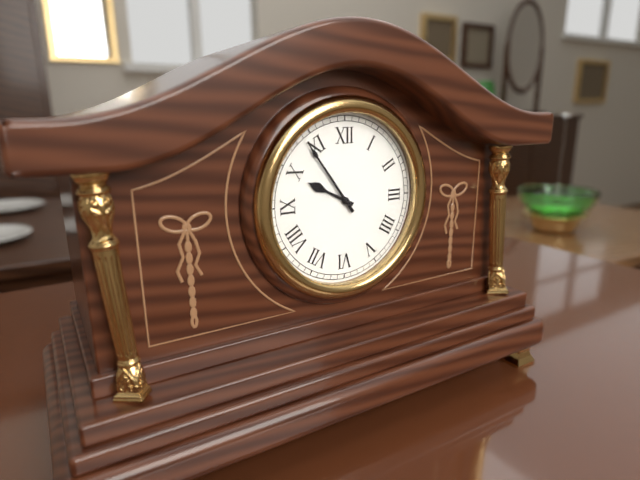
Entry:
9 h 54 min
